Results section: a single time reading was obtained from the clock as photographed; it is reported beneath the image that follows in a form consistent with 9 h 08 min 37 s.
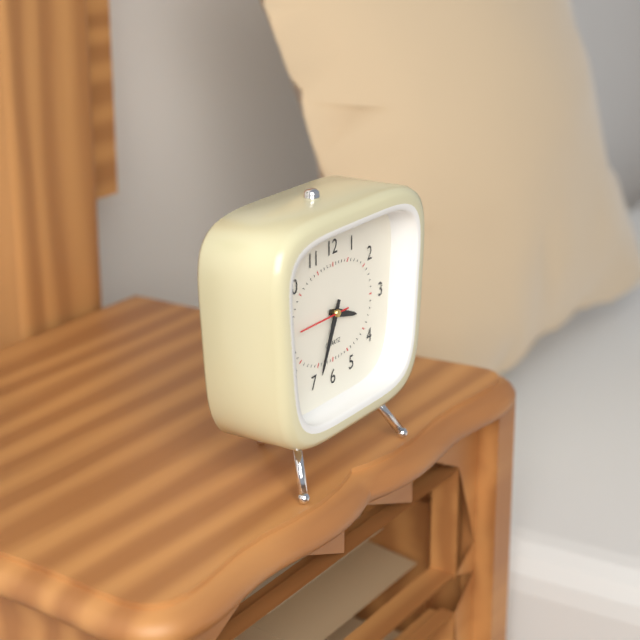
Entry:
3 h 34 min 45 s
